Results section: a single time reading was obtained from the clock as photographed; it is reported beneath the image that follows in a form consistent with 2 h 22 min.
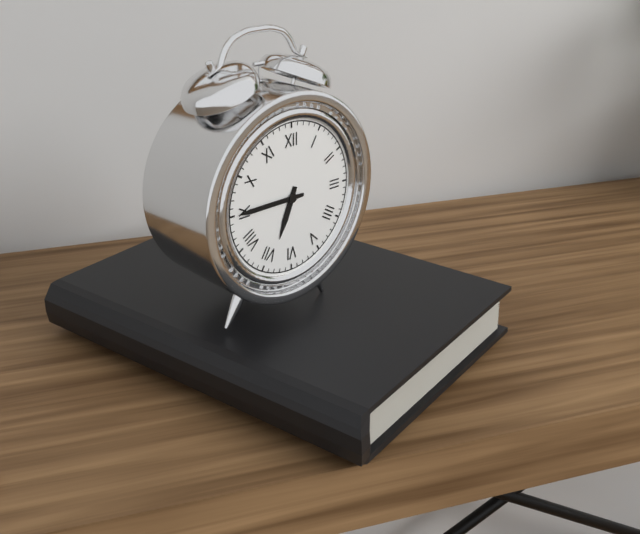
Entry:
6 h 45 min
